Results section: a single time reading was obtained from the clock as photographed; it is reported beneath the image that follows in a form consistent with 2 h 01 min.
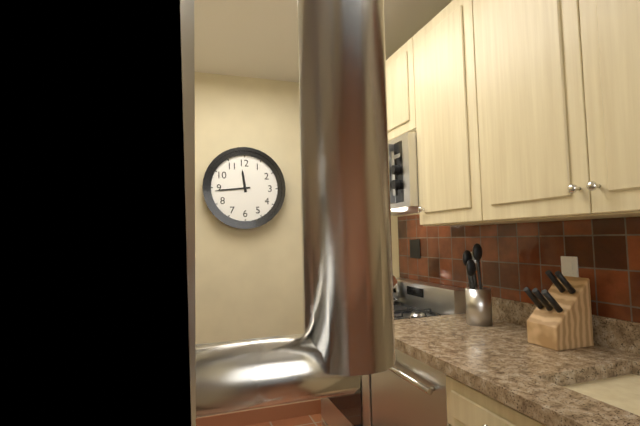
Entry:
11 h 44 min
